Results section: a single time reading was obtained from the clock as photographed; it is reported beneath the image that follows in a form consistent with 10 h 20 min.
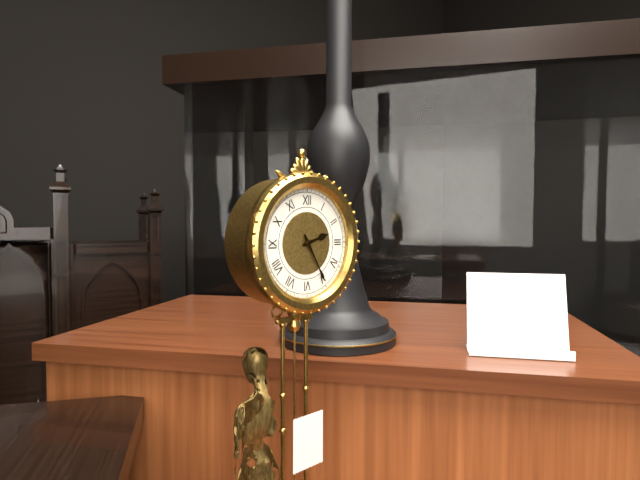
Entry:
2 h 25 min
